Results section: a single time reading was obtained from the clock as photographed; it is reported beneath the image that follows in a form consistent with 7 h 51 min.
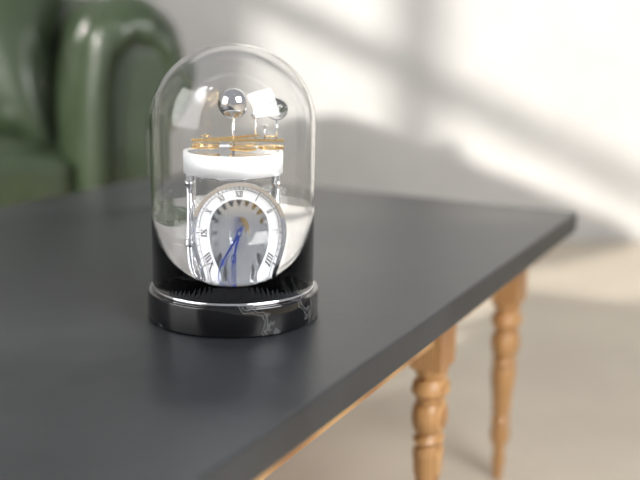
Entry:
6 h 37 min
